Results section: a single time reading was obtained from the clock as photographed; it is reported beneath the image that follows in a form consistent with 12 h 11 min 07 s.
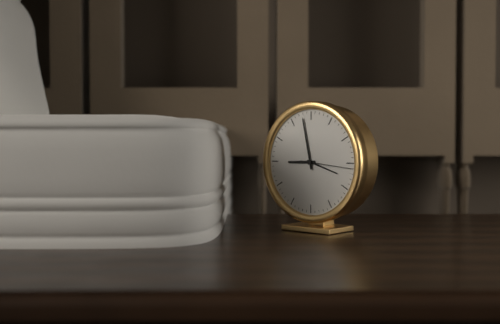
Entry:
8 h 58 min 16 s
